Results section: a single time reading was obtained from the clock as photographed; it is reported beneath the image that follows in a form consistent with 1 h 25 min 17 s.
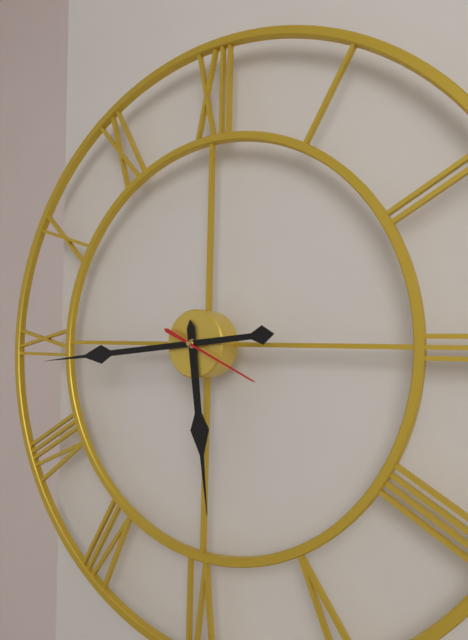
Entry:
5 h 44 min 19 s
